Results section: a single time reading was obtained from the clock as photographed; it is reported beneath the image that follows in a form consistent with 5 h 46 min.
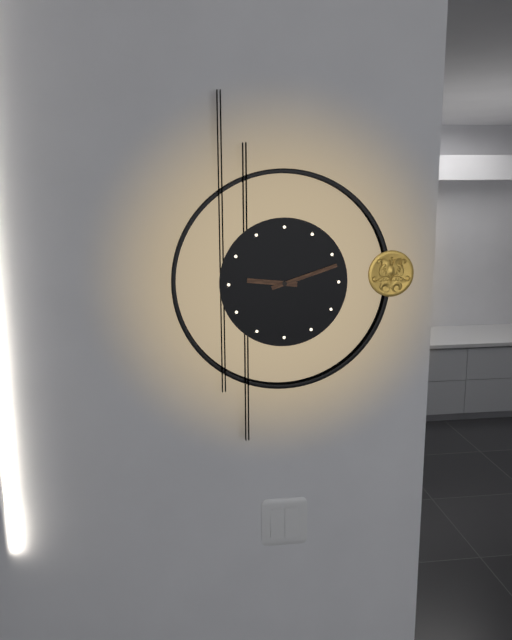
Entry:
9 h 12 min
